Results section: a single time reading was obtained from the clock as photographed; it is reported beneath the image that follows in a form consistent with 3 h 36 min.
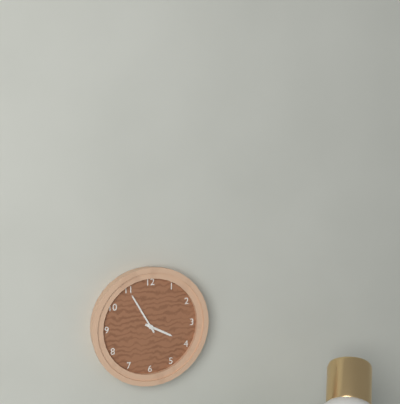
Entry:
3 h 55 min
